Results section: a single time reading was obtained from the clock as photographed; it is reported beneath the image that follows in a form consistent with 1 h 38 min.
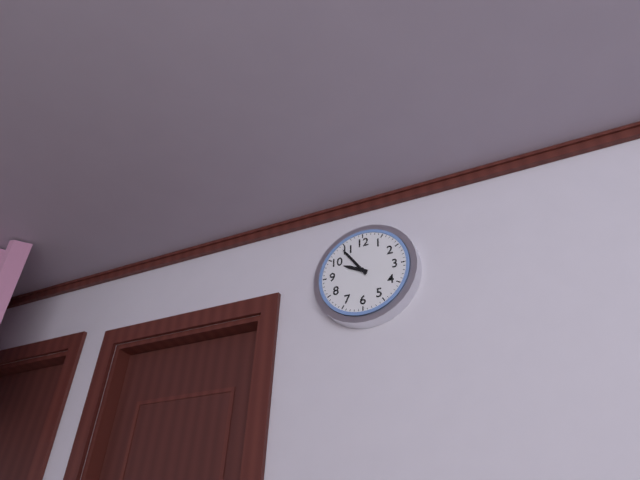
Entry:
9 h 54 min
